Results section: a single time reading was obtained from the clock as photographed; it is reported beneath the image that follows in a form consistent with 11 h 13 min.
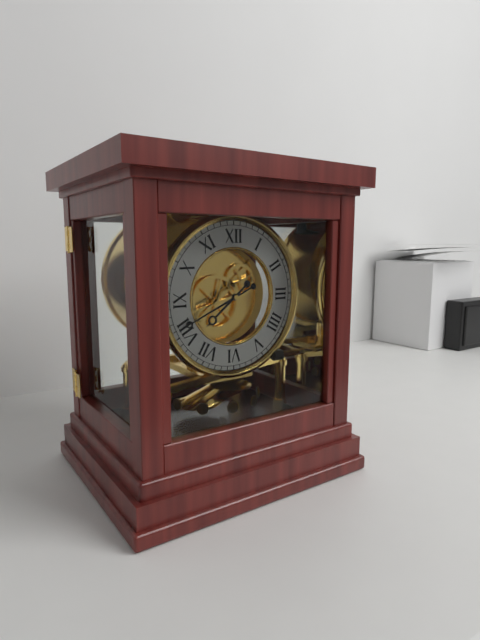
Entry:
7 h 41 min
